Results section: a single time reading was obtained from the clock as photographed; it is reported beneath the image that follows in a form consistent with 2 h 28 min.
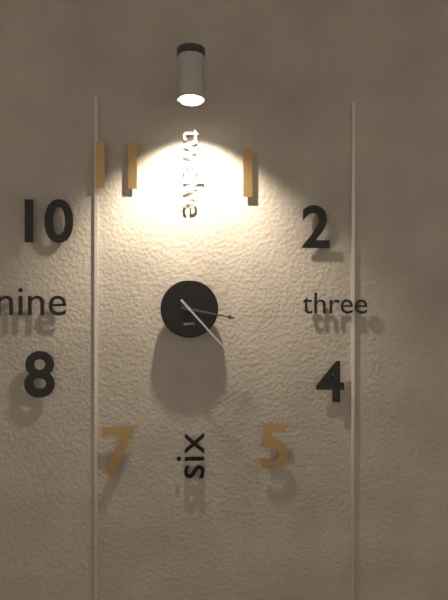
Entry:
3 h 23 min
